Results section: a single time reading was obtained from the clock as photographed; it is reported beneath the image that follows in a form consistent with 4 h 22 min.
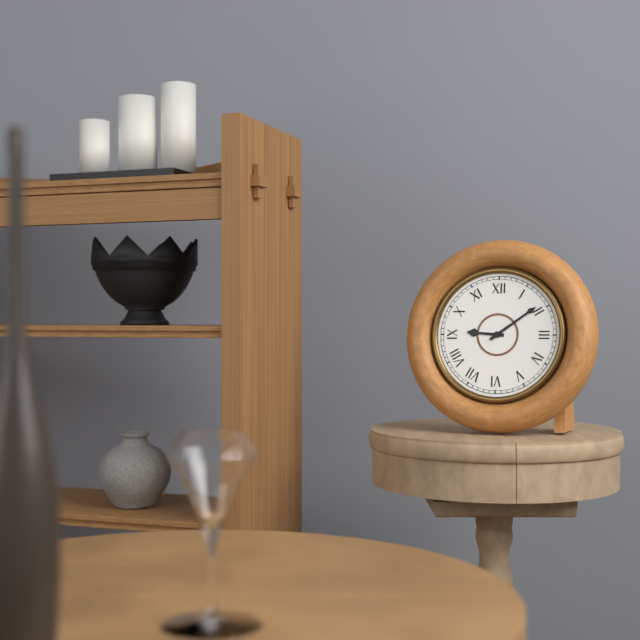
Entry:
9 h 09 min
